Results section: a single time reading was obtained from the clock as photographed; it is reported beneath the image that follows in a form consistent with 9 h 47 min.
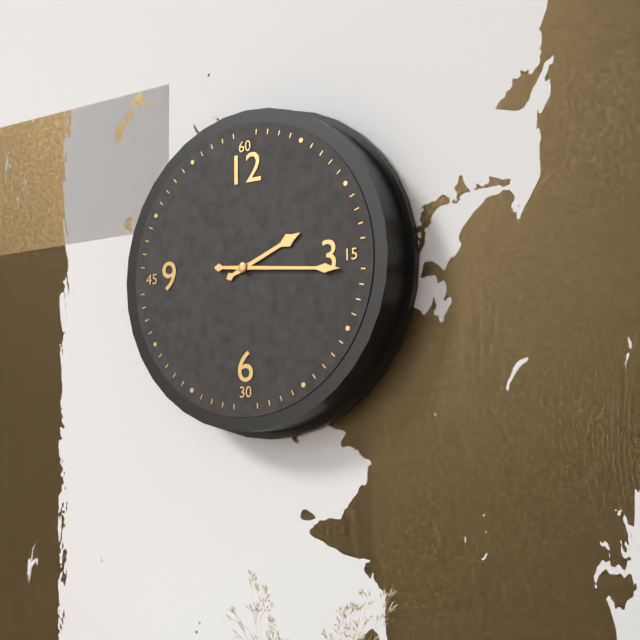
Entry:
2 h 16 min
